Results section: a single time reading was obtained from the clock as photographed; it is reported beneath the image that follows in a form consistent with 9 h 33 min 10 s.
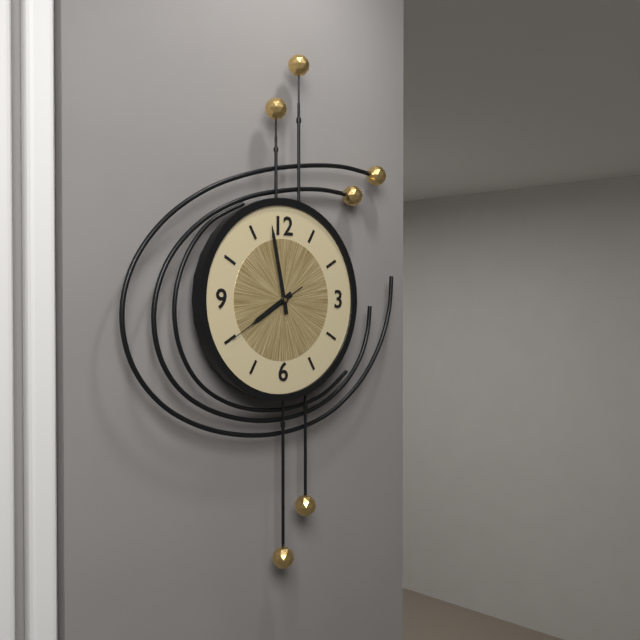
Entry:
7 h 58 min 40 s
